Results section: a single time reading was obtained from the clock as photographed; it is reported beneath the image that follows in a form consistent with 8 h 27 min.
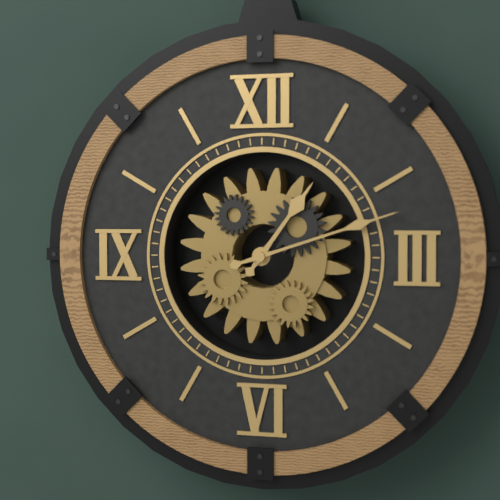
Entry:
1 h 12 min
